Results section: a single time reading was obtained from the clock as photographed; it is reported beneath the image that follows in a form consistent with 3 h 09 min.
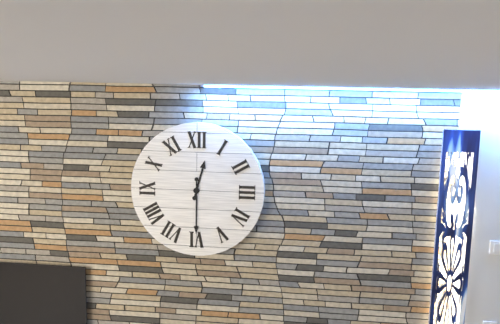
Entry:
12 h 30 min
